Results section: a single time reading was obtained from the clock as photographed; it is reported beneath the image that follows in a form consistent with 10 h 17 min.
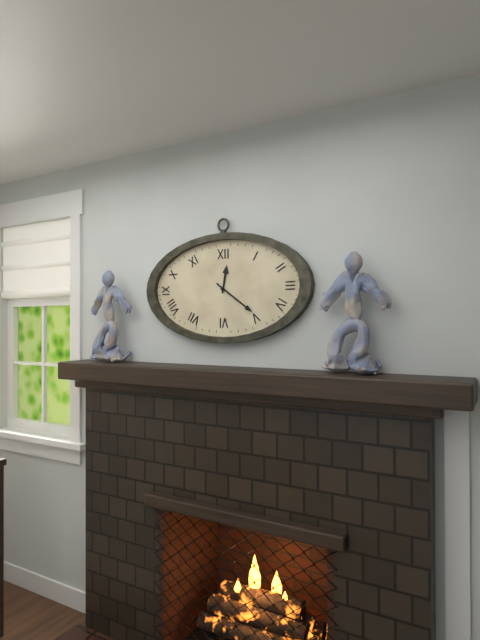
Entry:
12 h 21 min
